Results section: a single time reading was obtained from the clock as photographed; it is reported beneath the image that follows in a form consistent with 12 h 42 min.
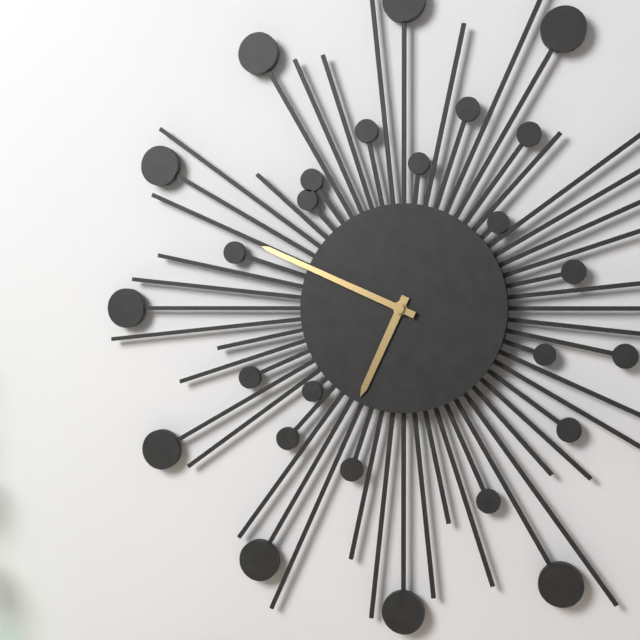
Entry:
6 h 49 min
